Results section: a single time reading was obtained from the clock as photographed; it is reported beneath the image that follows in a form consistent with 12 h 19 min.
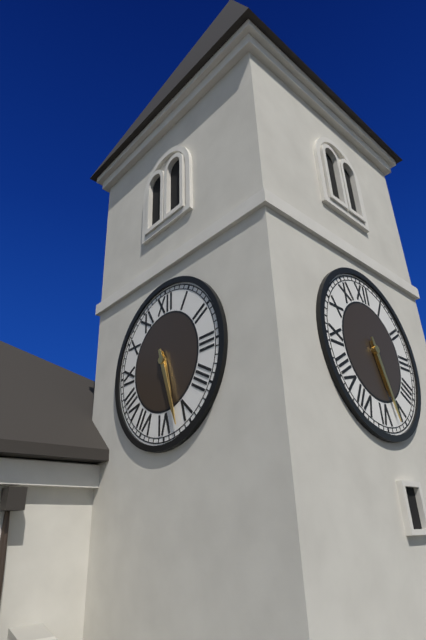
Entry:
5 h 27 min
